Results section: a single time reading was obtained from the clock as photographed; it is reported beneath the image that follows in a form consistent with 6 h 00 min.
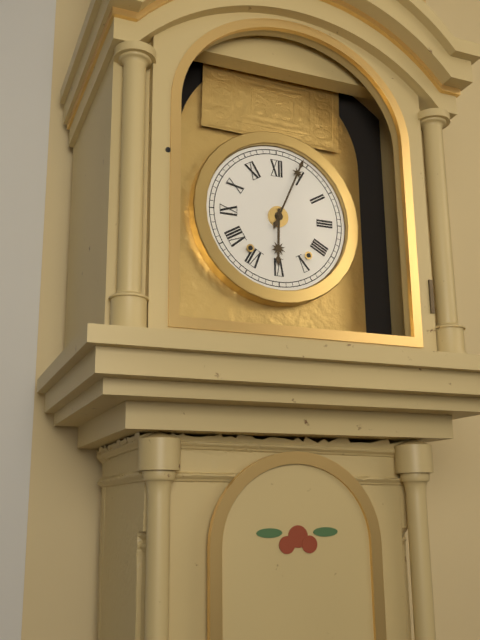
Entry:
6 h 04 min
